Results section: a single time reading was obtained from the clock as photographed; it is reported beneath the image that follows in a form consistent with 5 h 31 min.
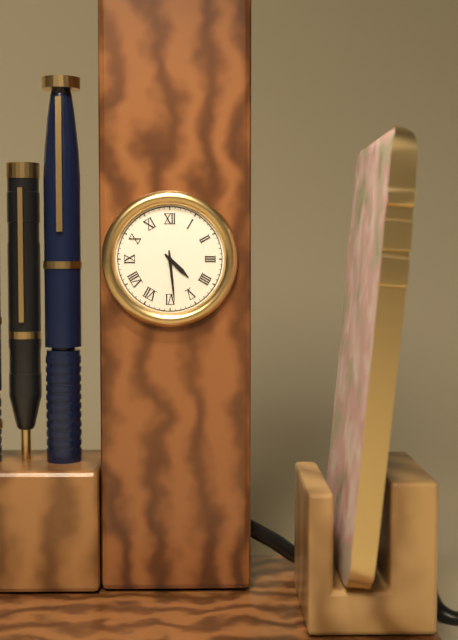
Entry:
4 h 29 min
